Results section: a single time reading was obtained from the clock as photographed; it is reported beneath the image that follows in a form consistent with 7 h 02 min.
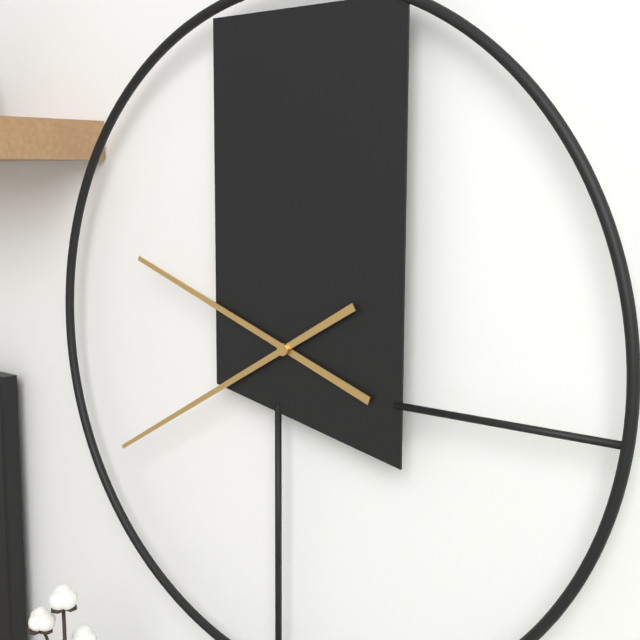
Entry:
9 h 40 min
